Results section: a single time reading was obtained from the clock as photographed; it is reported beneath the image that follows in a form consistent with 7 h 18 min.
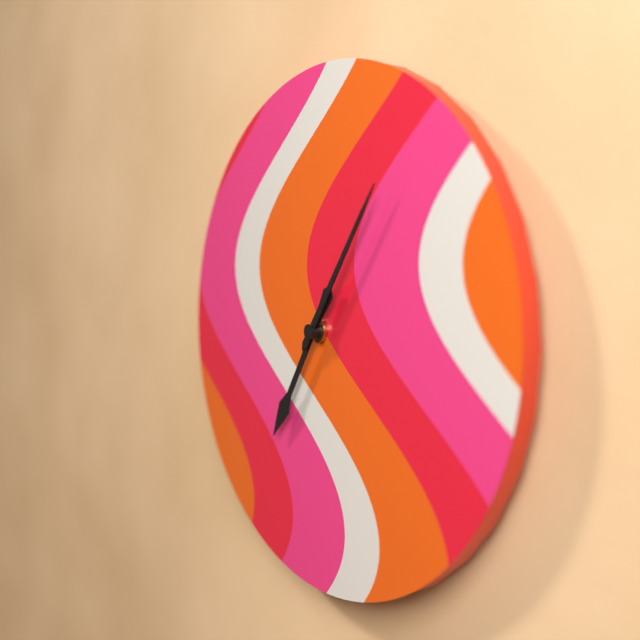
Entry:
7 h 06 min
